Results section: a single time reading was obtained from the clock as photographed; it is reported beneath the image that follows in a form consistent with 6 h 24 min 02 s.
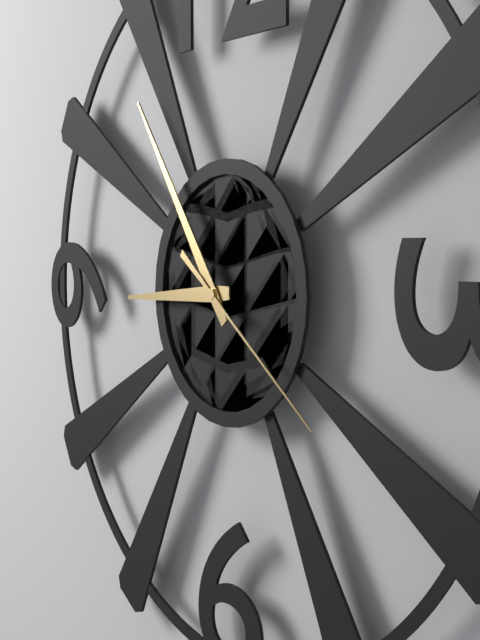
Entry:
8 h 54 min 21 s
